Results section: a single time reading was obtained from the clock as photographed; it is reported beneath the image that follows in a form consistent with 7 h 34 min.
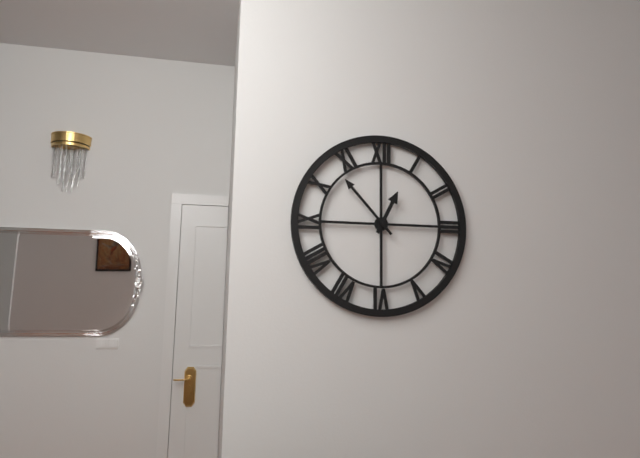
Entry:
12 h 53 min
